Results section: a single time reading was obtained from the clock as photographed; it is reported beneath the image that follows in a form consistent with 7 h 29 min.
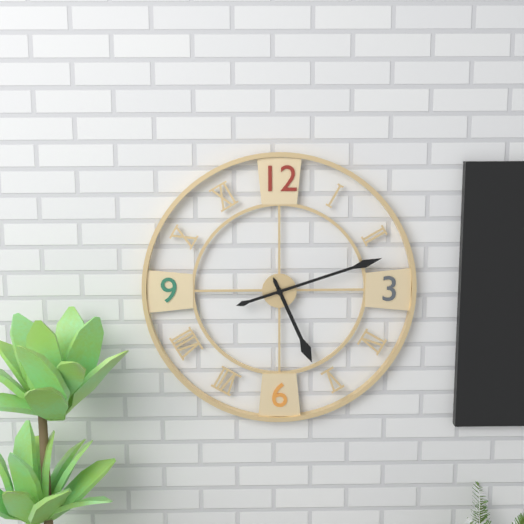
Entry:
5 h 12 min
